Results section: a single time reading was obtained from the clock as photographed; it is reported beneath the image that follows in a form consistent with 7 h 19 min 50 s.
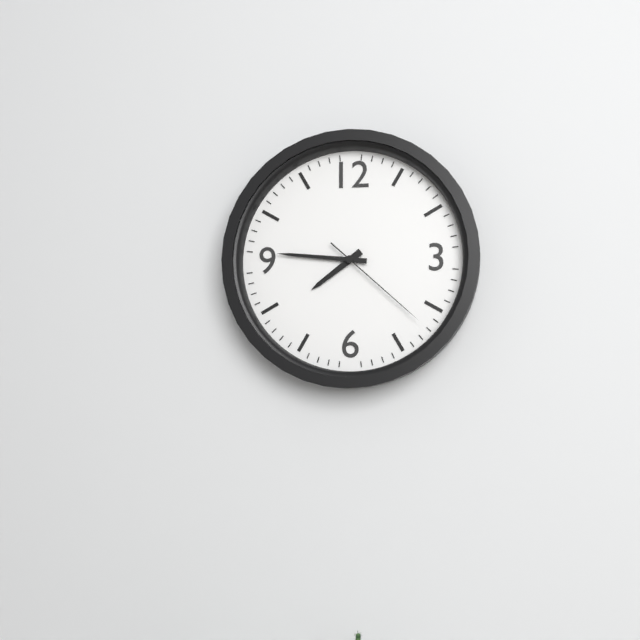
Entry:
7 h 46 min 22 s
